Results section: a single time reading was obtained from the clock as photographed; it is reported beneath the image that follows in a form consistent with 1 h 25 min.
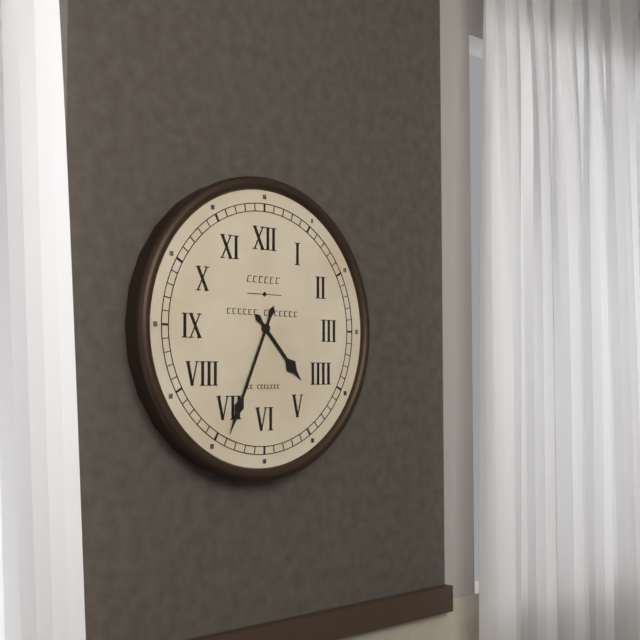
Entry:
4 h 34 min
